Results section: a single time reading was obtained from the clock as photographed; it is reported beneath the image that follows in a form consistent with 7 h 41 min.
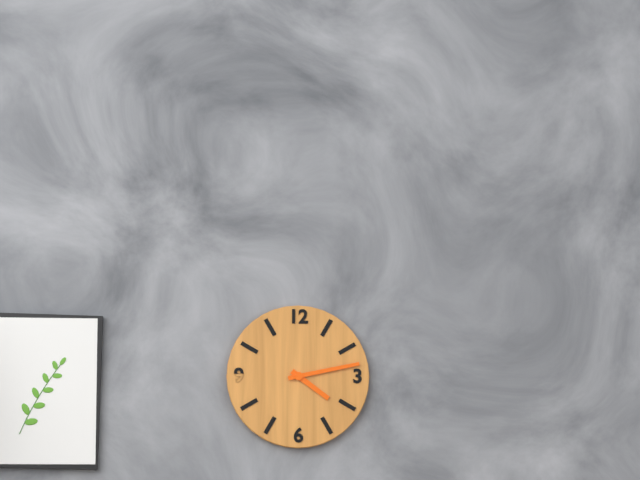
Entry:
4 h 13 min
